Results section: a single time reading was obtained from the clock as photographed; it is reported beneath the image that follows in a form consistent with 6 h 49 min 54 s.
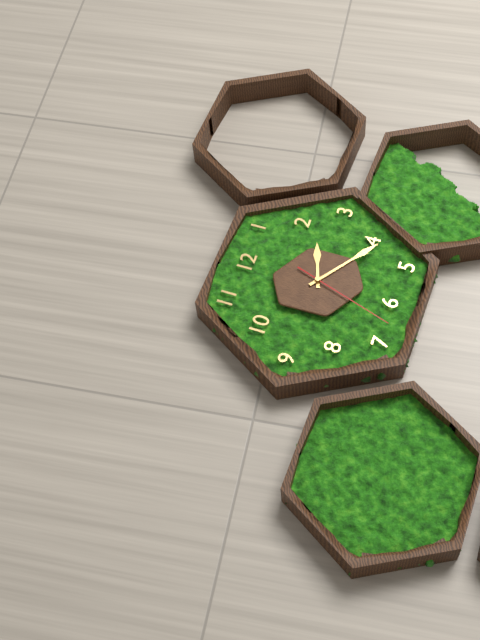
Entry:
2 h 21 min 33 s
